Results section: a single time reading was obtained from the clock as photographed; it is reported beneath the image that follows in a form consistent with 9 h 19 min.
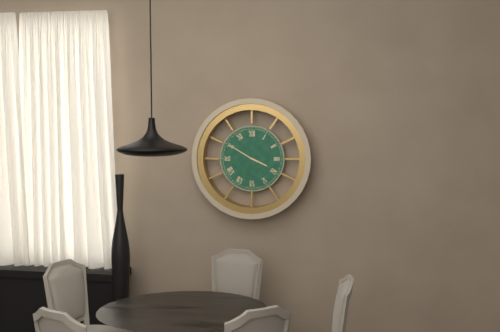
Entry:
3 h 50 min
